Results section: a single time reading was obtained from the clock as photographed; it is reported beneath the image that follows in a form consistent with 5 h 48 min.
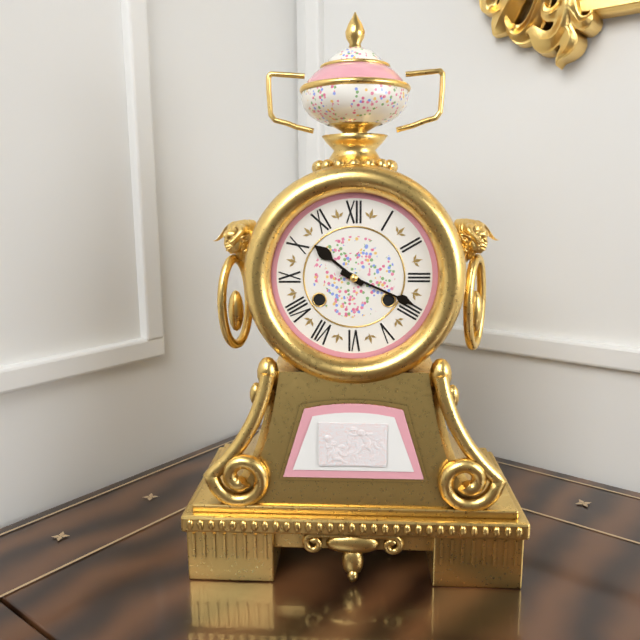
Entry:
10 h 19 min
